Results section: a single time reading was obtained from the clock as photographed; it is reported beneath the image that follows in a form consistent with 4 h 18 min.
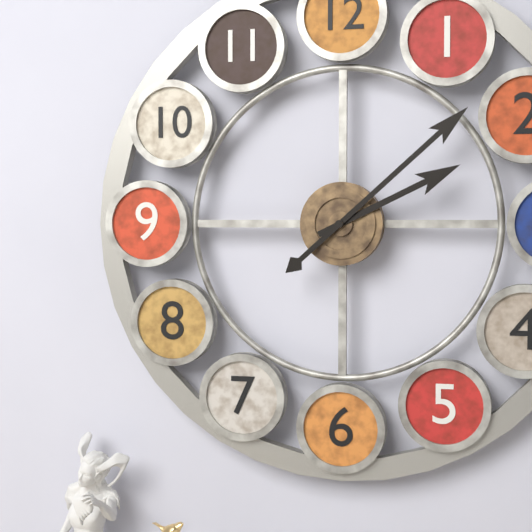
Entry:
2 h 08 min
